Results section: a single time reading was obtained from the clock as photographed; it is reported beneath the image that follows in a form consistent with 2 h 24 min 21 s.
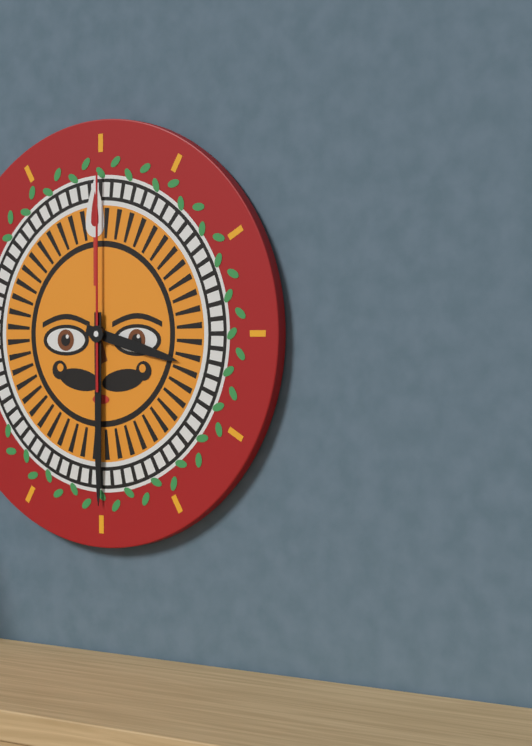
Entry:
3 h 30 min 00 s
